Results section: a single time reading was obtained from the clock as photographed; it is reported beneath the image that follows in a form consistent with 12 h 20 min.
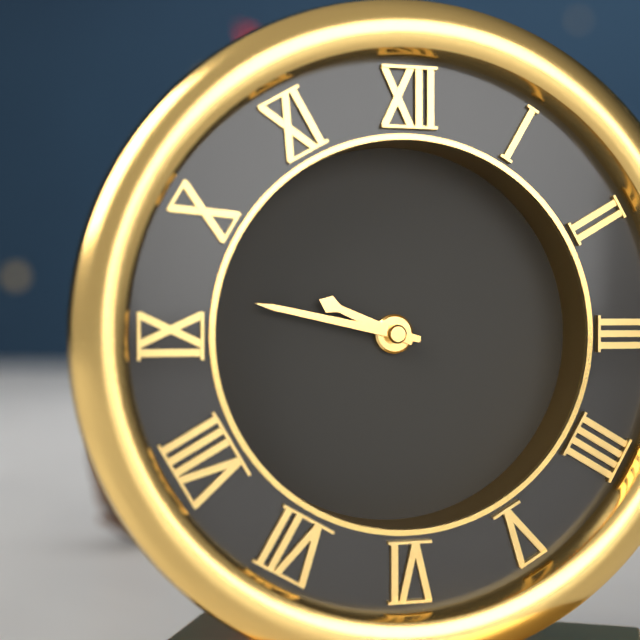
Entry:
9 h 47 min
